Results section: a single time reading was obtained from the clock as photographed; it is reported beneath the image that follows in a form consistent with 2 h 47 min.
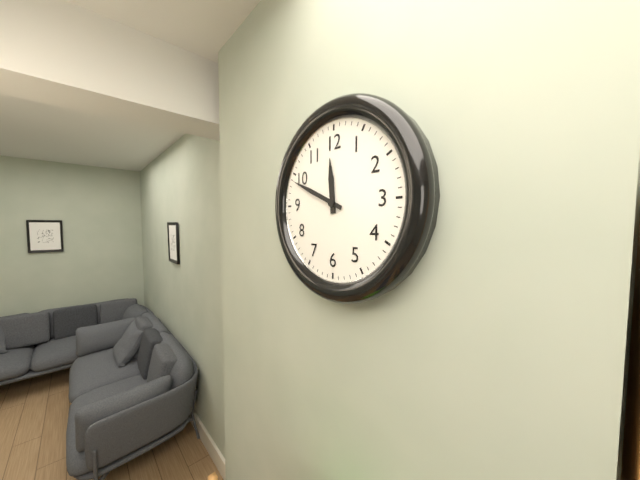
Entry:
11 h 49 min
